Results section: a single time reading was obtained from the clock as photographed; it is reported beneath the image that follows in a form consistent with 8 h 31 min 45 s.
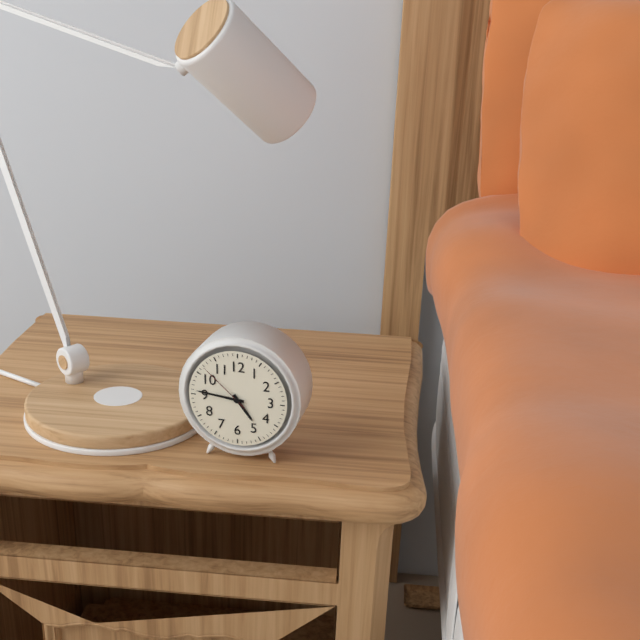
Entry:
4 h 46 min 52 s
